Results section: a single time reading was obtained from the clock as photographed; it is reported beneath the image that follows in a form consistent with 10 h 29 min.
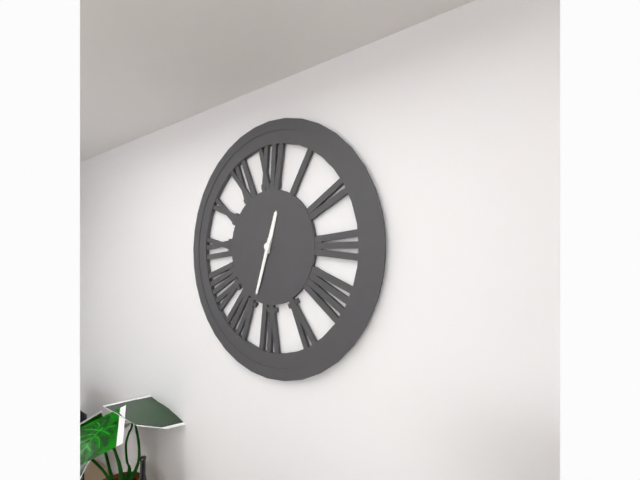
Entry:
12 h 33 min
